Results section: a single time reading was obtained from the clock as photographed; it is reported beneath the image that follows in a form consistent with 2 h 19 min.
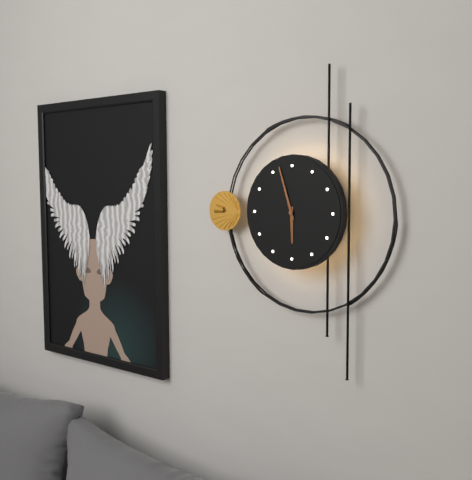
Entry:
5 h 57 min
